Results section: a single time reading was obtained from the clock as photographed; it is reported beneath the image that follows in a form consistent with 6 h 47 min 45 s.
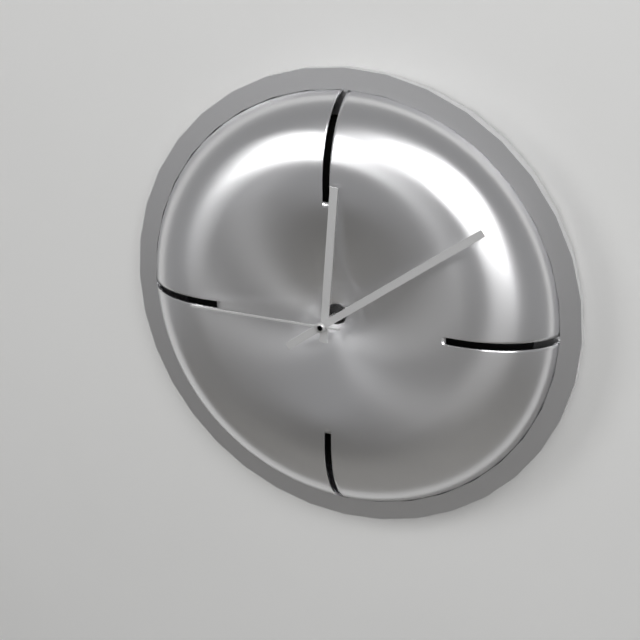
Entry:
12 h 09 min 45 s
